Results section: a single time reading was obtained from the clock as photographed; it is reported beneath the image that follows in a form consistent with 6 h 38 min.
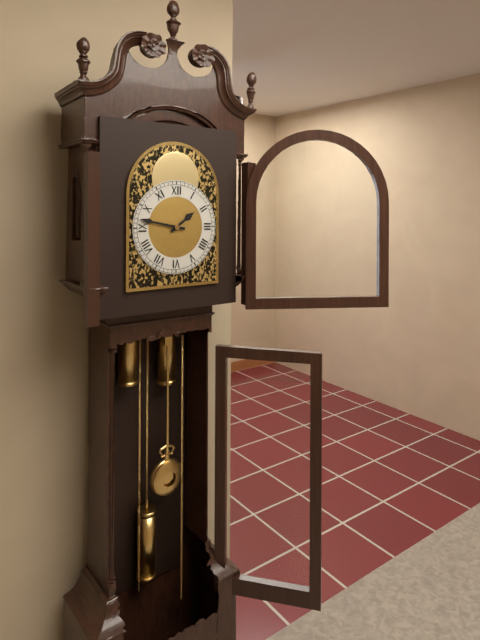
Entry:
1 h 47 min
